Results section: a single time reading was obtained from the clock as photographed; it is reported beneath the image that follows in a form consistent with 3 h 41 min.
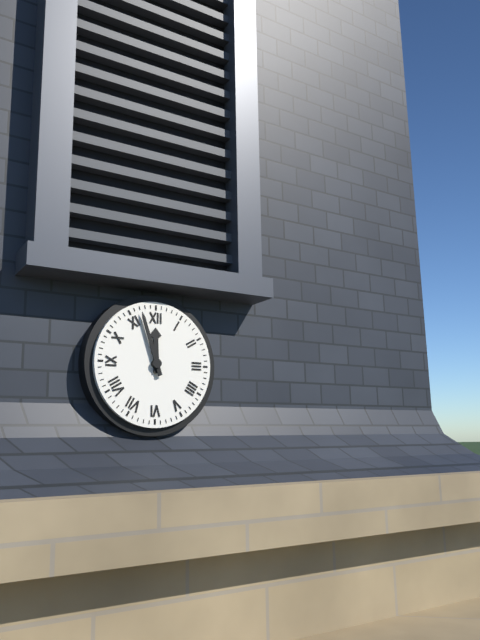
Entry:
11 h 57 min
